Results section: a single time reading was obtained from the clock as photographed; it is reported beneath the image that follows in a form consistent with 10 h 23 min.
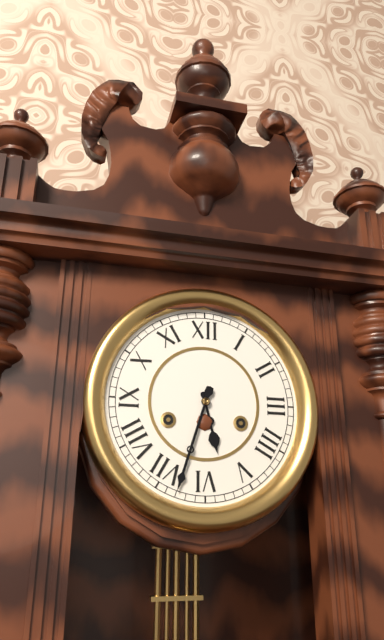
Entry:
5 h 33 min
